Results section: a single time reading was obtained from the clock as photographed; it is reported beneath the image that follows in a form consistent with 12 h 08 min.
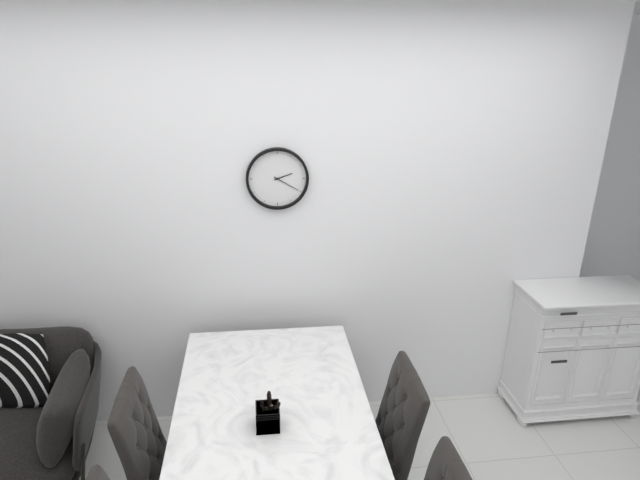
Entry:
2 h 20 min
